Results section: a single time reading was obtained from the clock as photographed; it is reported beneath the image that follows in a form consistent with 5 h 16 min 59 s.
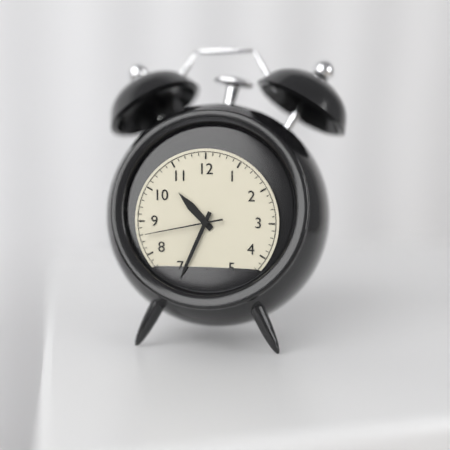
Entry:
10 h 34 min 43 s
